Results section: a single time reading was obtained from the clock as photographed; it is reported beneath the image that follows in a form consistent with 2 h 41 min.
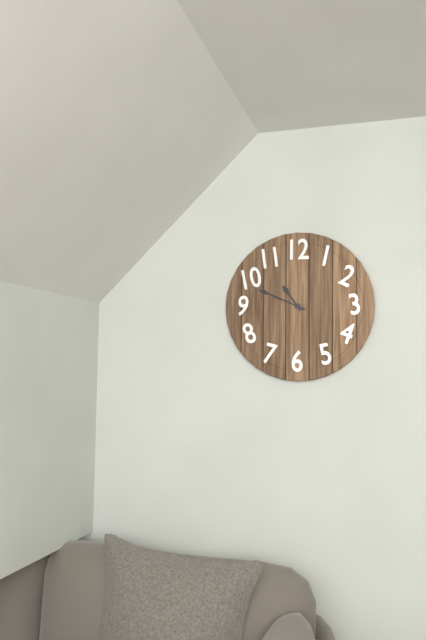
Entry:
10 h 49 min
